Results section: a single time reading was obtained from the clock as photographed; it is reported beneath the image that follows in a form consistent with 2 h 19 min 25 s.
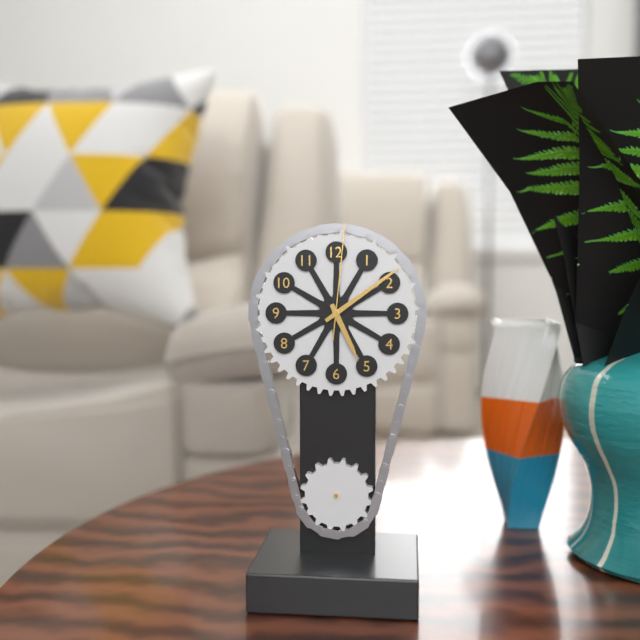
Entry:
5 h 09 min 01 s
